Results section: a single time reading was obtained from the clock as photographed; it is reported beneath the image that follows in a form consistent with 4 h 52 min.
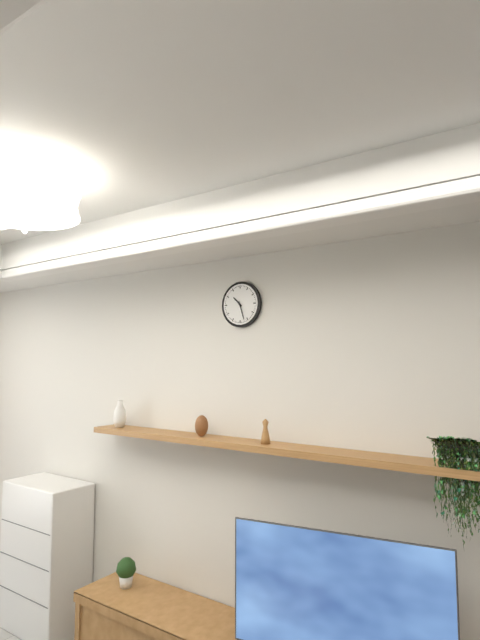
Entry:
10 h 27 min
